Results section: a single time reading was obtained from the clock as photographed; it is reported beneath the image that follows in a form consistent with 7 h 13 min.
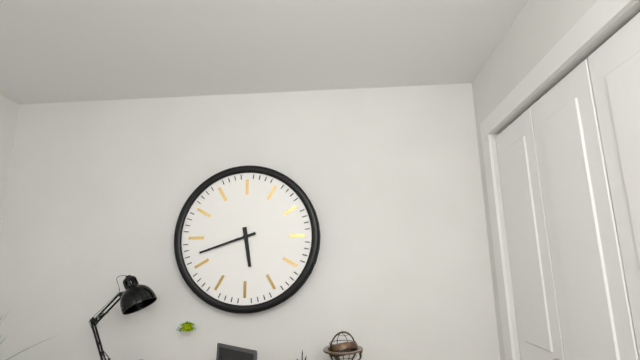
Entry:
5 h 42 min
